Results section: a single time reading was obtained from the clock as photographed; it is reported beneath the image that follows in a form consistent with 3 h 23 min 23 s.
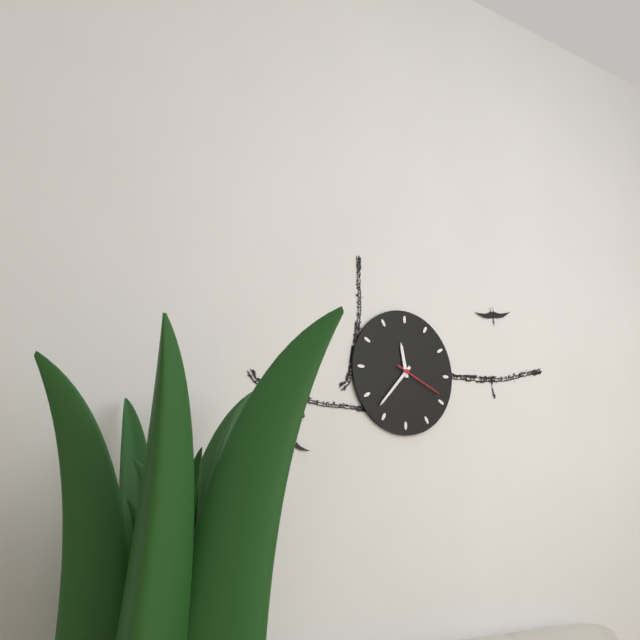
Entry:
11 h 37 min 19 s
